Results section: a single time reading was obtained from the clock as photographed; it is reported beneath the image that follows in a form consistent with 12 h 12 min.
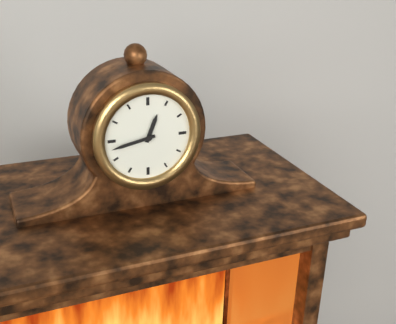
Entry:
12 h 43 min
